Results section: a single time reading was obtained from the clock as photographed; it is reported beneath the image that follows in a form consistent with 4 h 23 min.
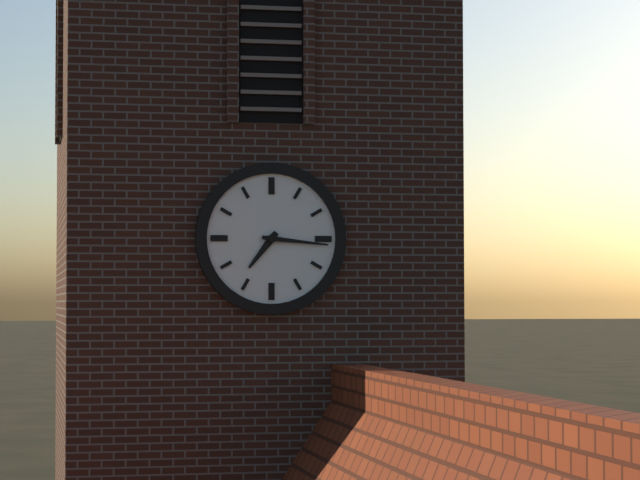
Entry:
7 h 16 min
